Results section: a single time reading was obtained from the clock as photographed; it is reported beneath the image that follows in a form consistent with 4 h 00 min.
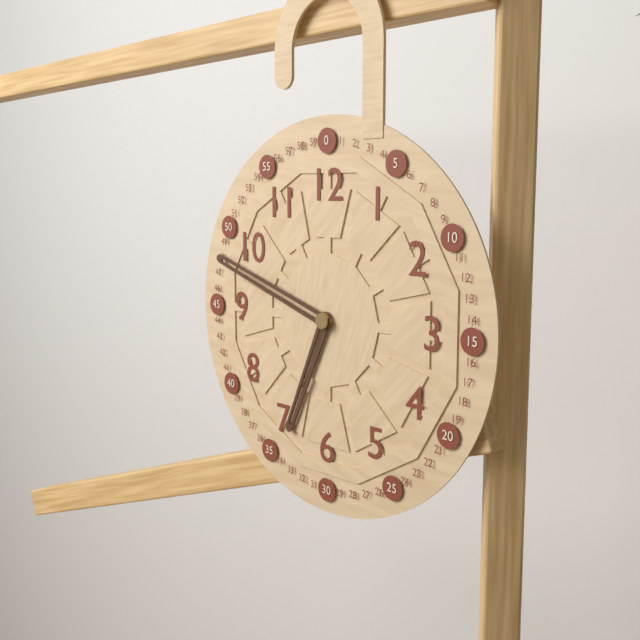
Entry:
6 h 48 min
